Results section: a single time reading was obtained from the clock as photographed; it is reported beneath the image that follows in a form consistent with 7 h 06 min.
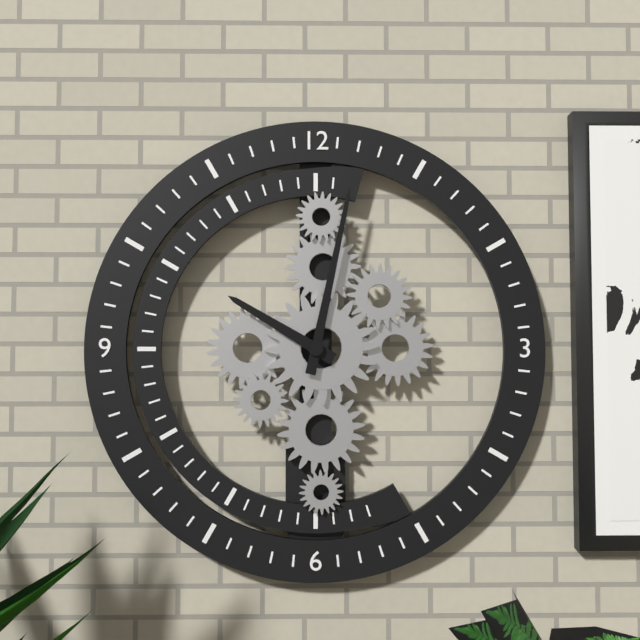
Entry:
10 h 02 min
